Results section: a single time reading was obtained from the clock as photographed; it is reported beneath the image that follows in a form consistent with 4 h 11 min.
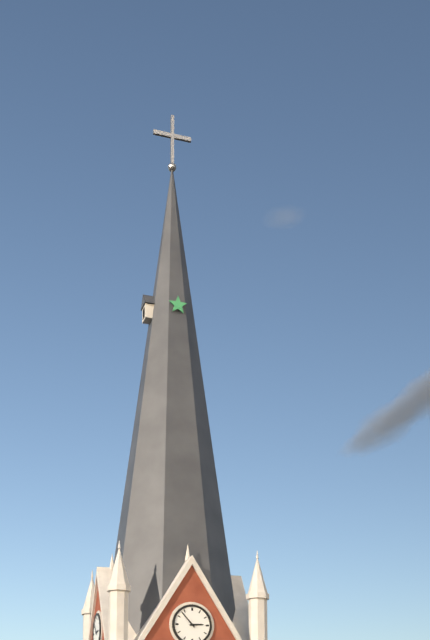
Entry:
2 h 53 min
